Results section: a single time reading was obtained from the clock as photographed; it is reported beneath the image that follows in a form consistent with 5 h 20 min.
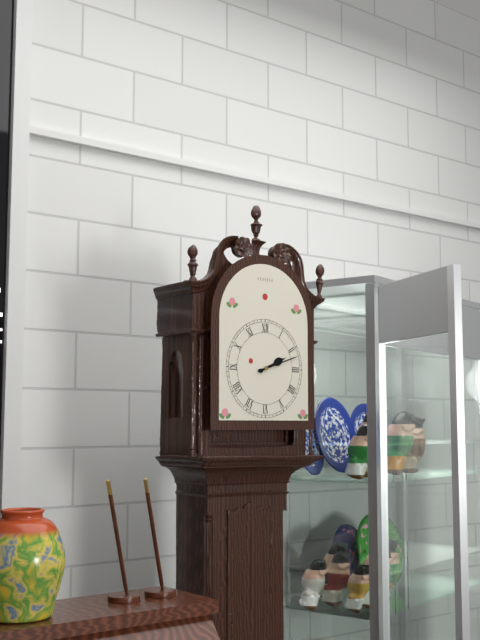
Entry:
2 h 12 min
